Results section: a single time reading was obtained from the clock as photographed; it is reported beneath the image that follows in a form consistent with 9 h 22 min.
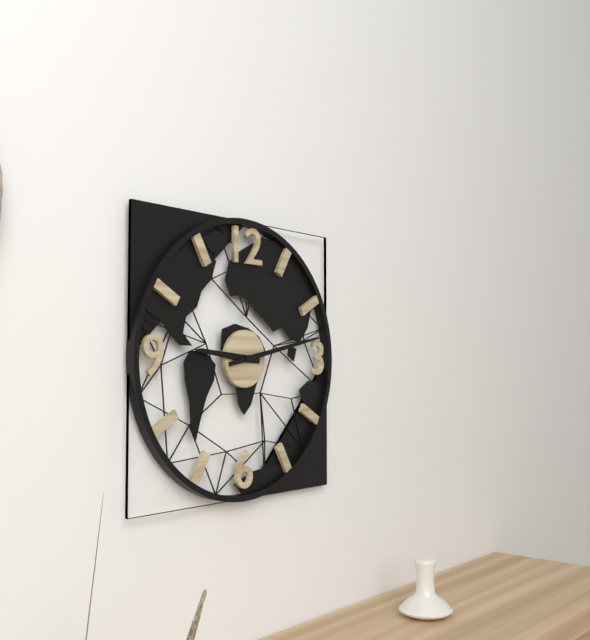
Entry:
9 h 13 min
